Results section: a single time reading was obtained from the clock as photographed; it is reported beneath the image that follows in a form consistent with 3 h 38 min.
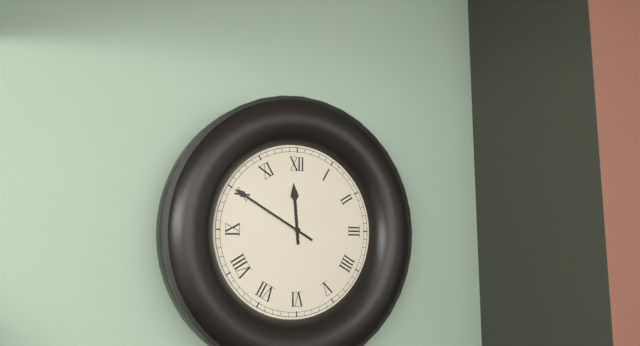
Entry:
11 h 50 min
